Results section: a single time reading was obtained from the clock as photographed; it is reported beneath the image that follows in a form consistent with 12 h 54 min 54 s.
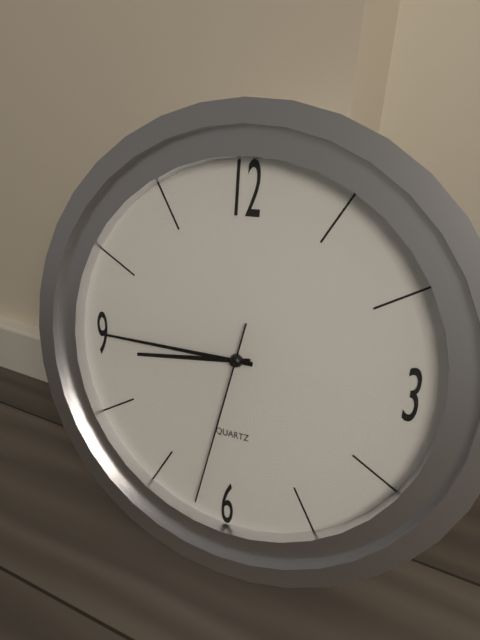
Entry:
8 h 45 min 32 s
